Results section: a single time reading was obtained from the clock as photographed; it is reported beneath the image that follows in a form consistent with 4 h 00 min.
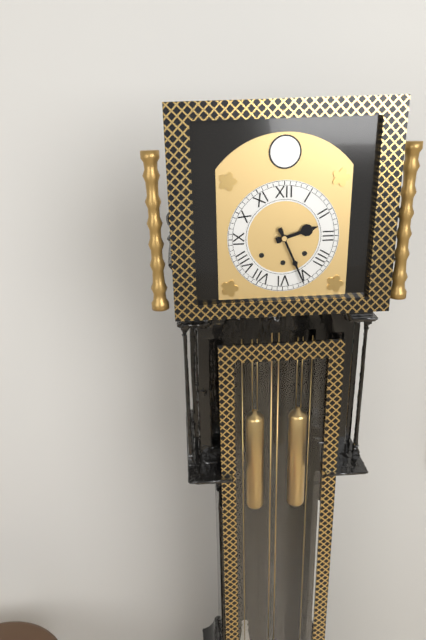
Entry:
2 h 26 min
